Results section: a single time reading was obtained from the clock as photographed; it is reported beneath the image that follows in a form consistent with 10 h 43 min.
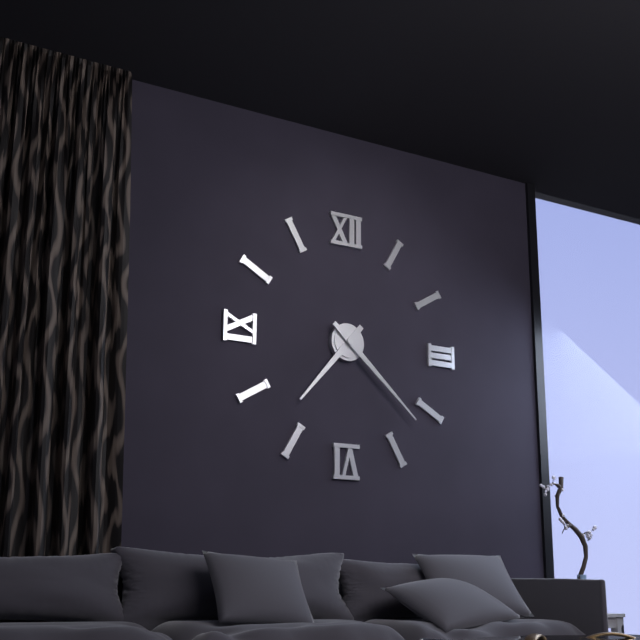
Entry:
7 h 22 min
